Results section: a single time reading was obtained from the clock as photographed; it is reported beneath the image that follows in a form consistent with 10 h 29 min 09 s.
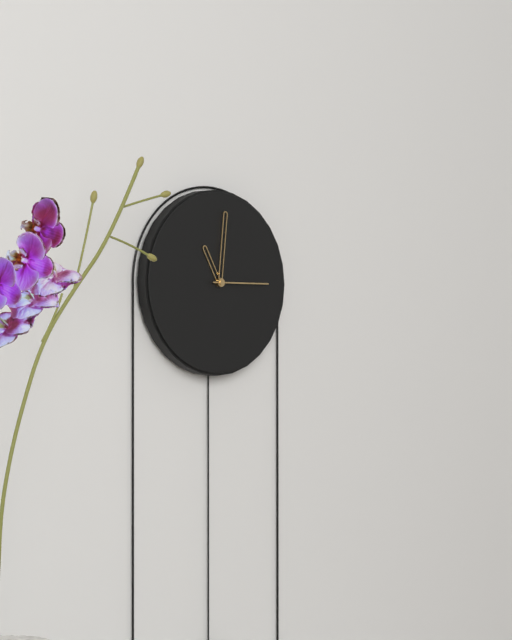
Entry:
11 h 01 min 15 s
